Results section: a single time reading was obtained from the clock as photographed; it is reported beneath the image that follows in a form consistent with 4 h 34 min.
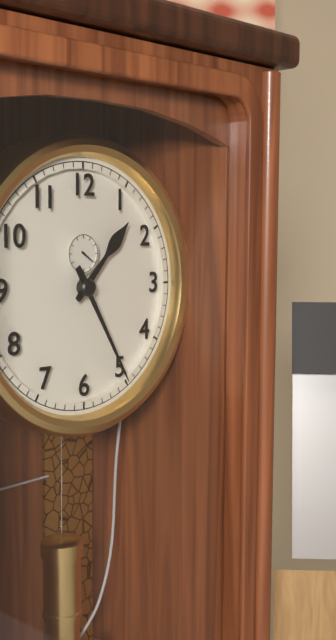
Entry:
1 h 25 min
